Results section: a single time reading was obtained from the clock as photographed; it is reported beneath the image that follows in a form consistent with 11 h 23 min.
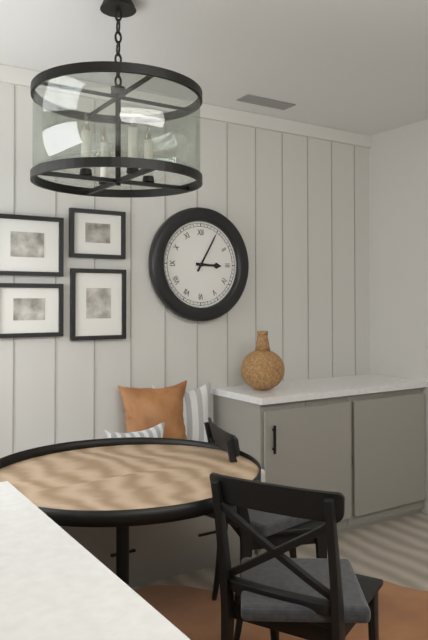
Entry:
3 h 05 min
